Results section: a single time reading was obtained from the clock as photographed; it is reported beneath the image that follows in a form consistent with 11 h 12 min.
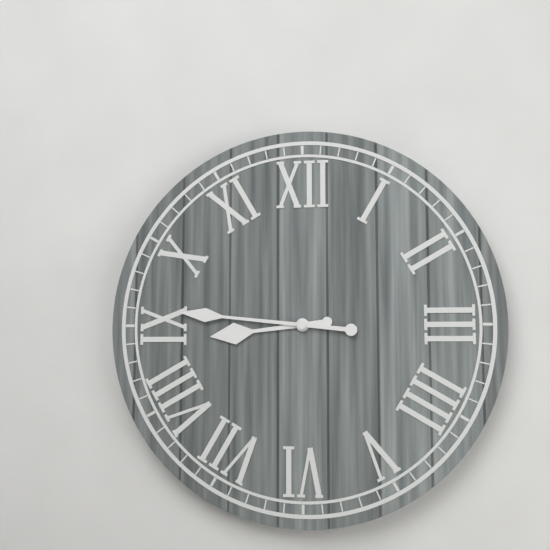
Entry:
8 h 46 min
